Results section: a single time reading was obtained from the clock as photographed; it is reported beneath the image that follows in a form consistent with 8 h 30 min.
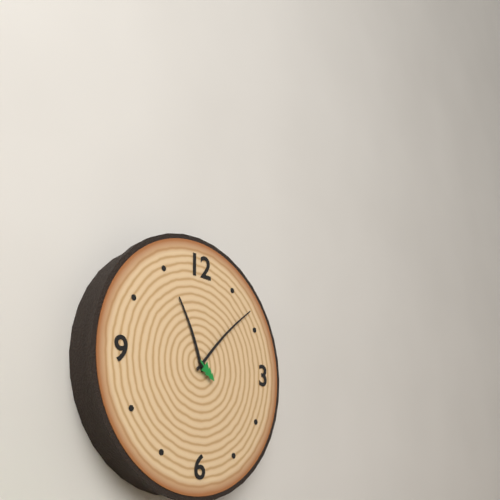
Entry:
11 h 08 min
